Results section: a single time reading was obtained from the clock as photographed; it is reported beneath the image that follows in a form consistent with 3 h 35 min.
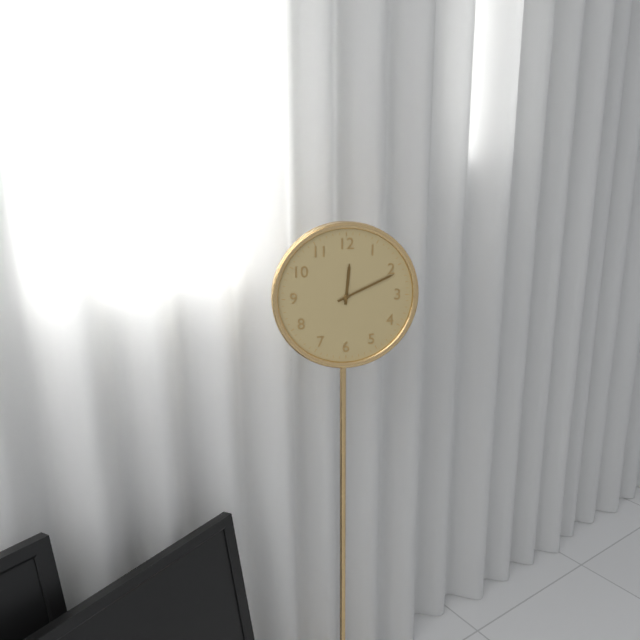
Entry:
12 h 11 min
